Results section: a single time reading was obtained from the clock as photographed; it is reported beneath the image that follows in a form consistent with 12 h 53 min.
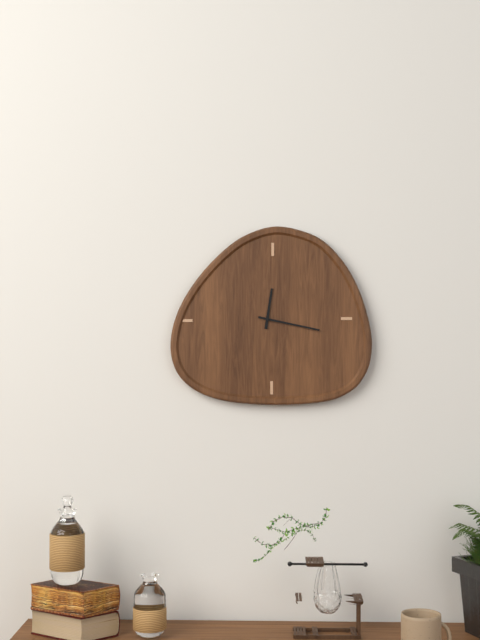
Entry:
12 h 17 min
